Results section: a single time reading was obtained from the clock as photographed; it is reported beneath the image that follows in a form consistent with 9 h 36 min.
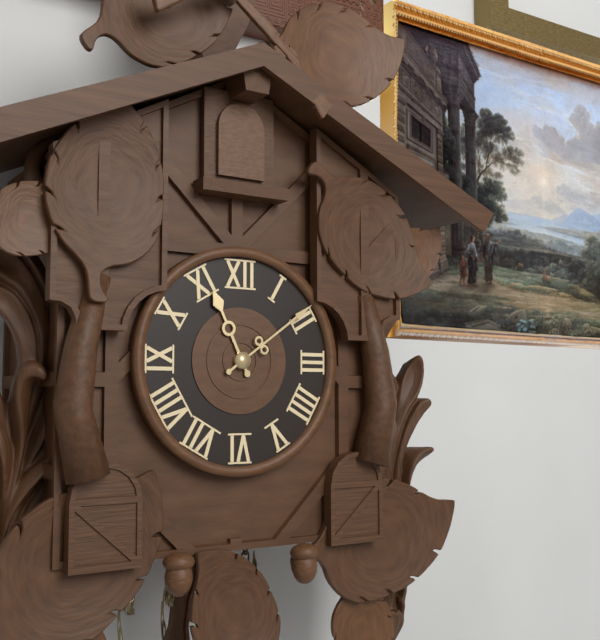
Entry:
11 h 09 min
